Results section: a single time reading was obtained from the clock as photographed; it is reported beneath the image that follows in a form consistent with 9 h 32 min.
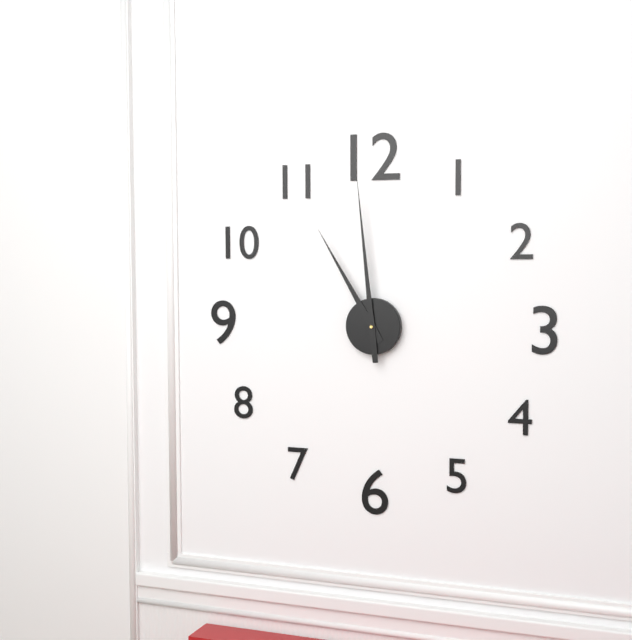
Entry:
10 h 59 min
